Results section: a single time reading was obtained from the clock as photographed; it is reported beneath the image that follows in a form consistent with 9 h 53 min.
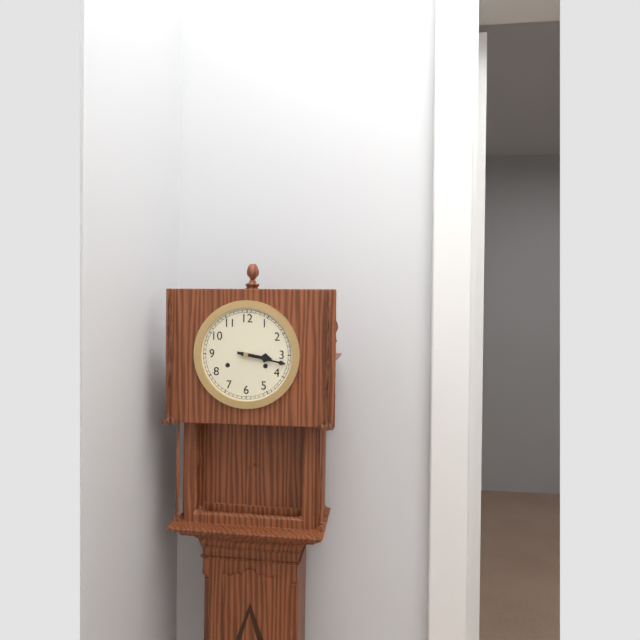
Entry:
3 h 17 min
